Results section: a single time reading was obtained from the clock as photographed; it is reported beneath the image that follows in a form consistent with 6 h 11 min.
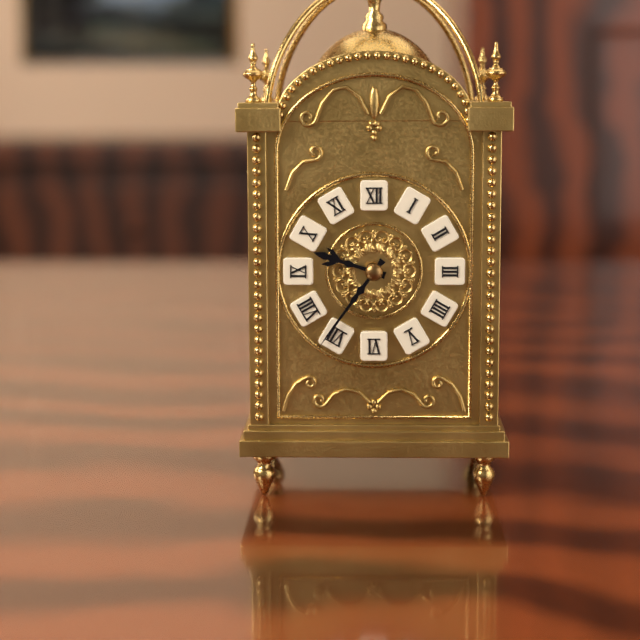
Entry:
9 h 36 min
